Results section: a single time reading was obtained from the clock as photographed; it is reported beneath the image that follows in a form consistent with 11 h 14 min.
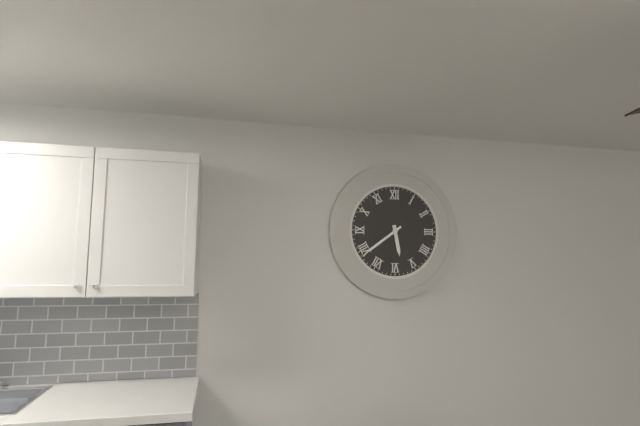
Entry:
5 h 39 min
